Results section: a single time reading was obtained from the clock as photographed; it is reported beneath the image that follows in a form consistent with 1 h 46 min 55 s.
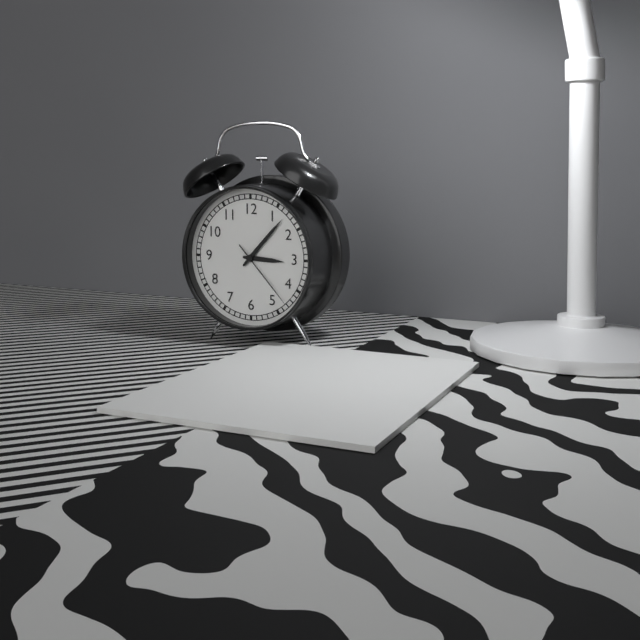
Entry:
3 h 07 min 23 s
